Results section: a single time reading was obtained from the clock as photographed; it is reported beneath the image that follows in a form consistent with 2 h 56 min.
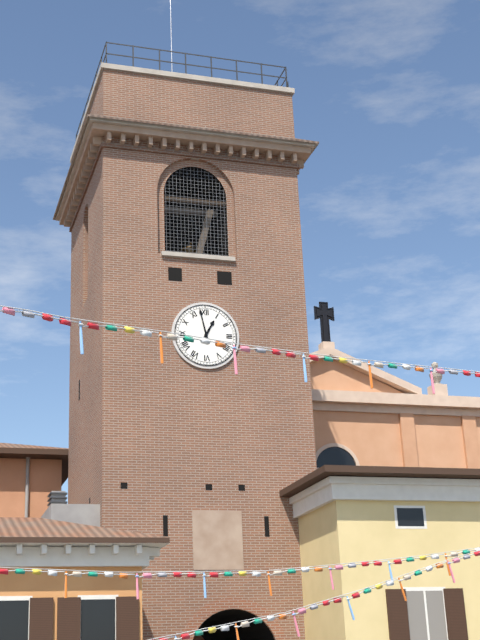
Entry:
12 h 58 min
